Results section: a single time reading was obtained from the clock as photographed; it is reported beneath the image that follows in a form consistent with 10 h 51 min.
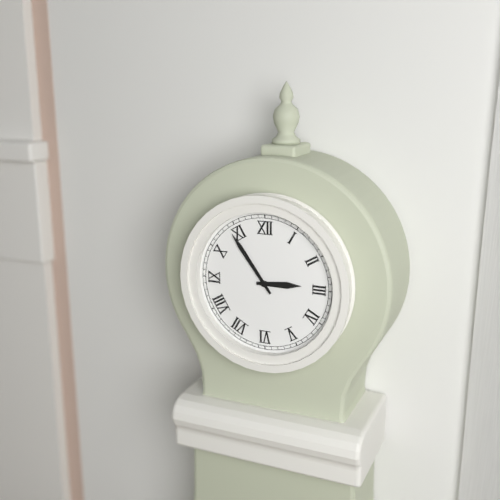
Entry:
2 h 54 min
